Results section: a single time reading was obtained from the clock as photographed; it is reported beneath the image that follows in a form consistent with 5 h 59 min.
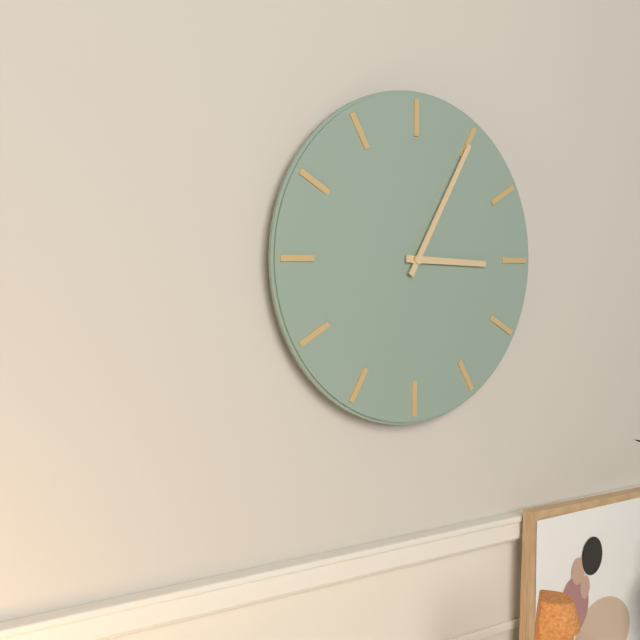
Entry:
3 h 05 min
